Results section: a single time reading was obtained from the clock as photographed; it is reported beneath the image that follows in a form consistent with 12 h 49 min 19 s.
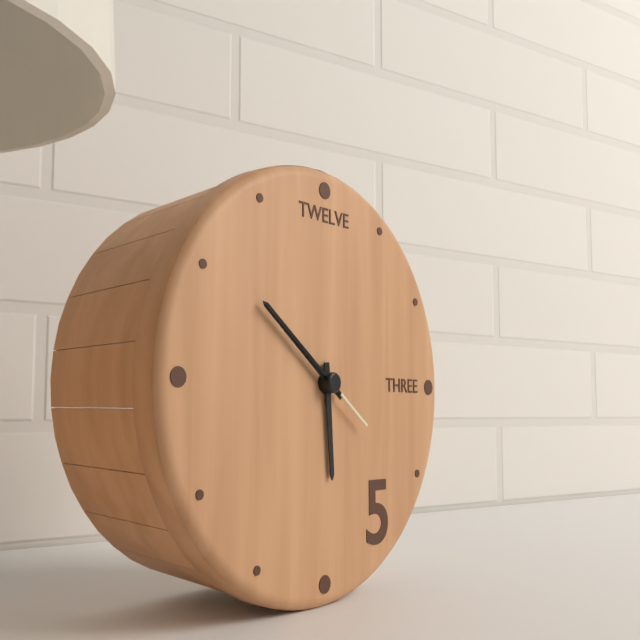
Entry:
5 h 51 min 51 s
